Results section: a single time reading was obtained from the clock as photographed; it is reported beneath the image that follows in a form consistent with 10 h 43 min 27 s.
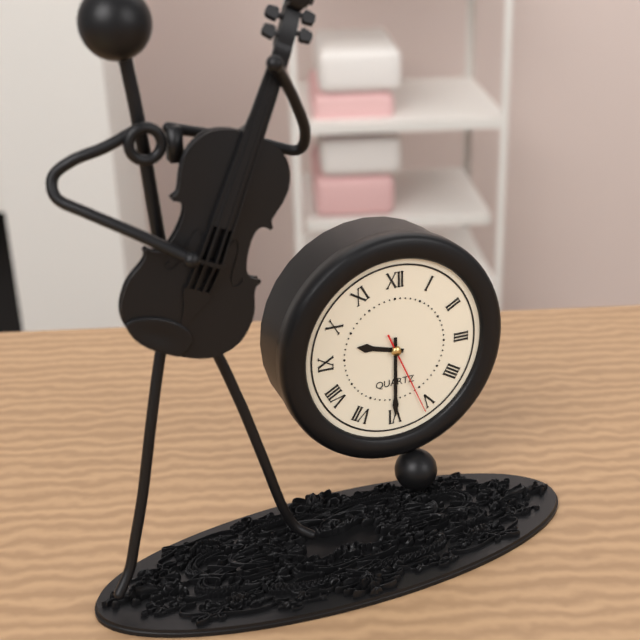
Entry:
9 h 30 min 26 s
